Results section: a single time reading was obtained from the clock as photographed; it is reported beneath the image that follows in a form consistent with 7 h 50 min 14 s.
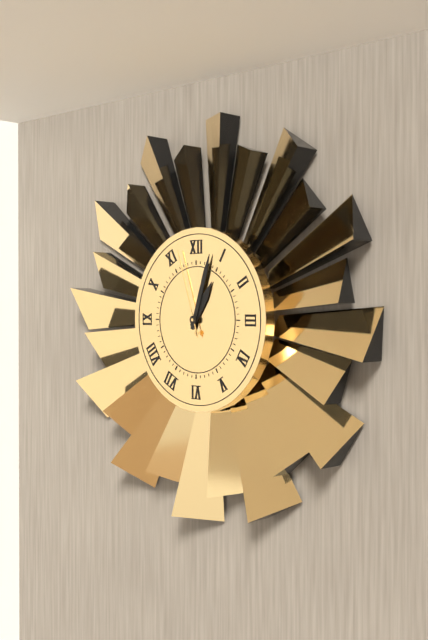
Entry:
1 h 03 min 57 s
